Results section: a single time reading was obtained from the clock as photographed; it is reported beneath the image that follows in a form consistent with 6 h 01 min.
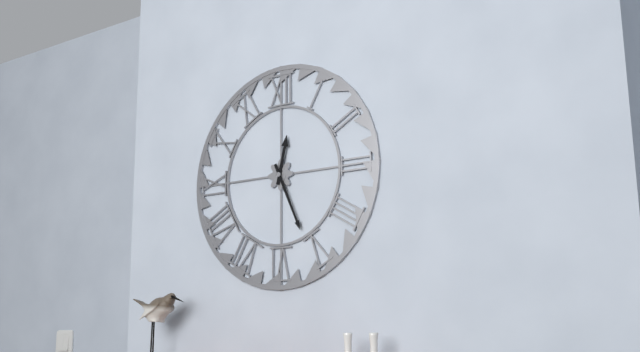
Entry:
12 h 26 min
